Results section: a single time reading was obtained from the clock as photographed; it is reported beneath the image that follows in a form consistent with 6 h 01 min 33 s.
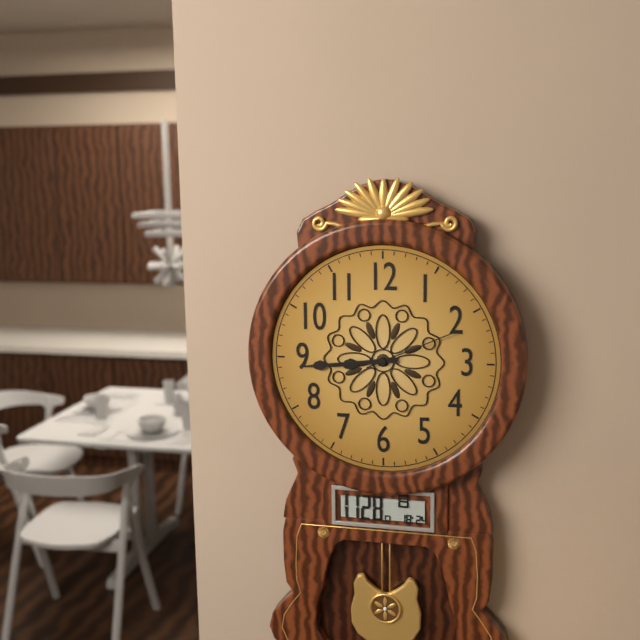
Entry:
8 h 44 min 11 s
